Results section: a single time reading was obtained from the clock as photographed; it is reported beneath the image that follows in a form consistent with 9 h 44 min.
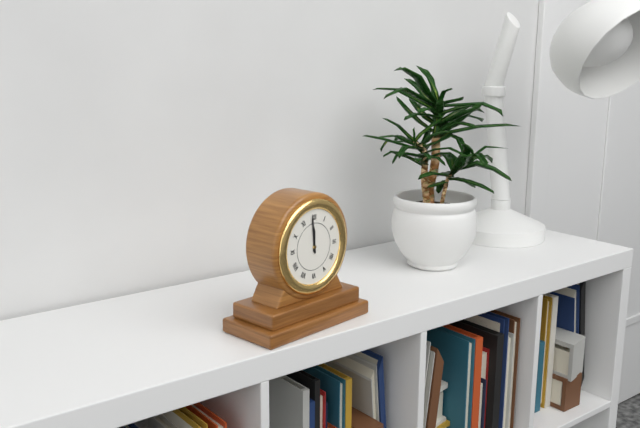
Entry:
11 h 59 min
